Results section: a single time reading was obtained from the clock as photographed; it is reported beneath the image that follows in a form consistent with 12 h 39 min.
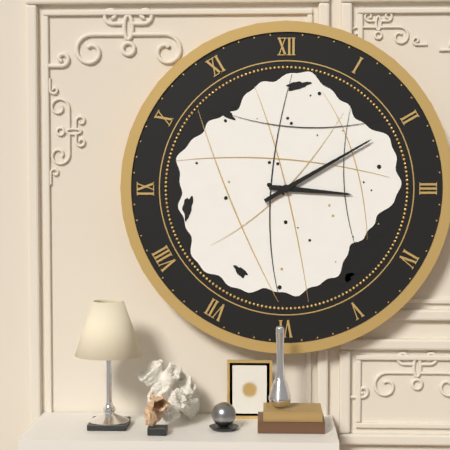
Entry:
3 h 10 min
